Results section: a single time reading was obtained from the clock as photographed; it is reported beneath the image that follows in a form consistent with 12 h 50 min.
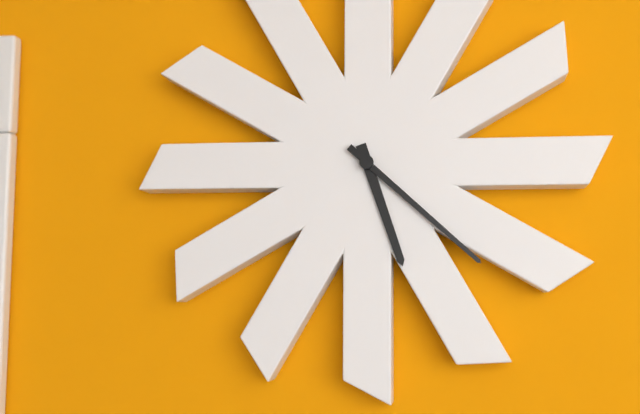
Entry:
5 h 22 min
